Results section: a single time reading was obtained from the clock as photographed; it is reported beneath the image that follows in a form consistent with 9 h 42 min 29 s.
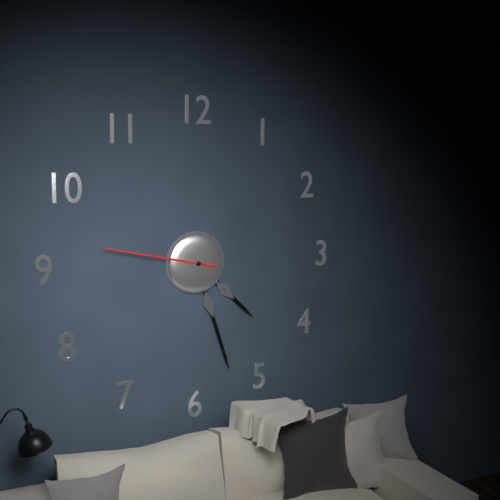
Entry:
4 h 27 min 47 s
